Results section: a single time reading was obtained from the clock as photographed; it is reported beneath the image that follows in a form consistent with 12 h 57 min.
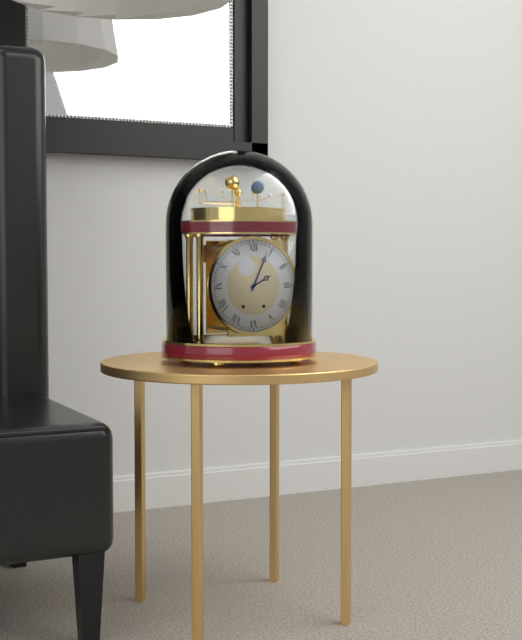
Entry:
2 h 04 min
